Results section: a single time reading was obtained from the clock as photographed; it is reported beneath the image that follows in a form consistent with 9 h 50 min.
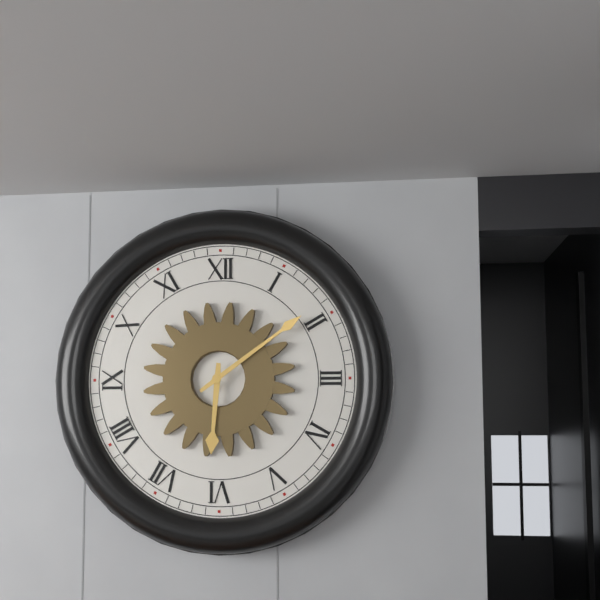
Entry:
6 h 09 min
